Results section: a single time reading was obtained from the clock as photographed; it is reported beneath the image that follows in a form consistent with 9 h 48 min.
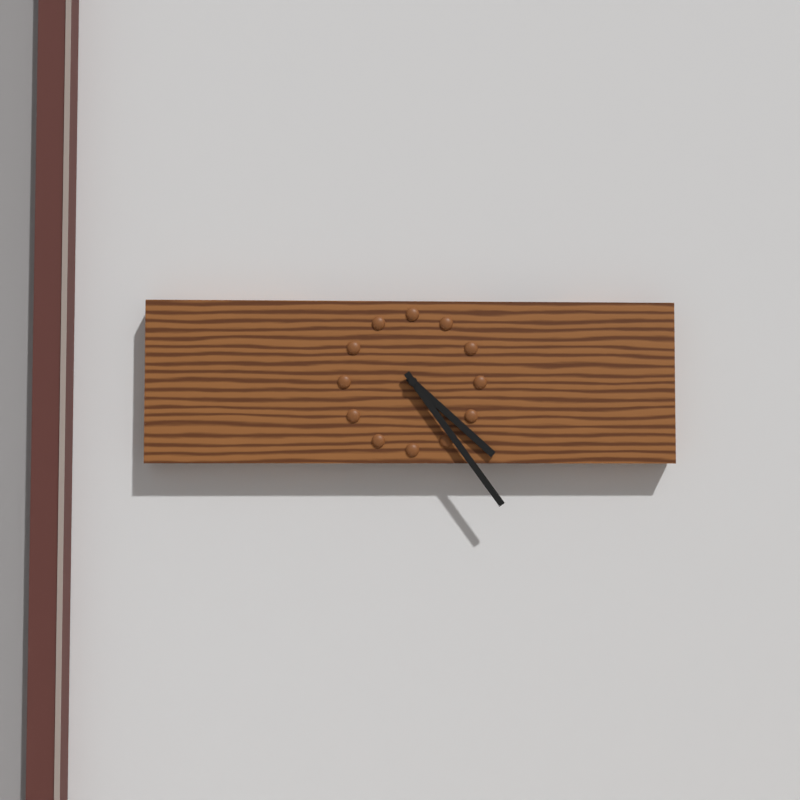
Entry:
4 h 24 min
